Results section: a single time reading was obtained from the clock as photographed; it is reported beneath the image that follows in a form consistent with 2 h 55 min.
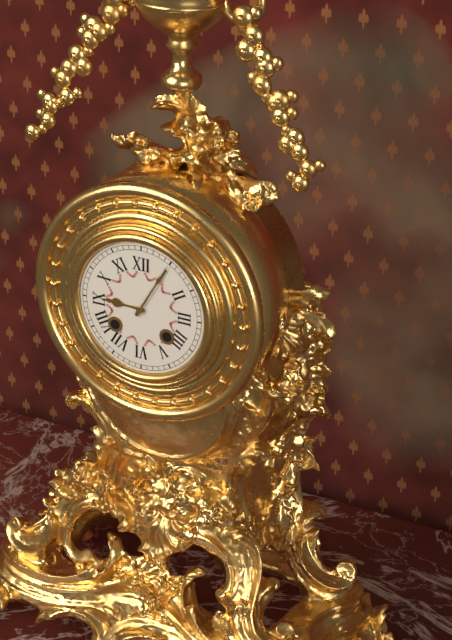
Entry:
9 h 05 min
